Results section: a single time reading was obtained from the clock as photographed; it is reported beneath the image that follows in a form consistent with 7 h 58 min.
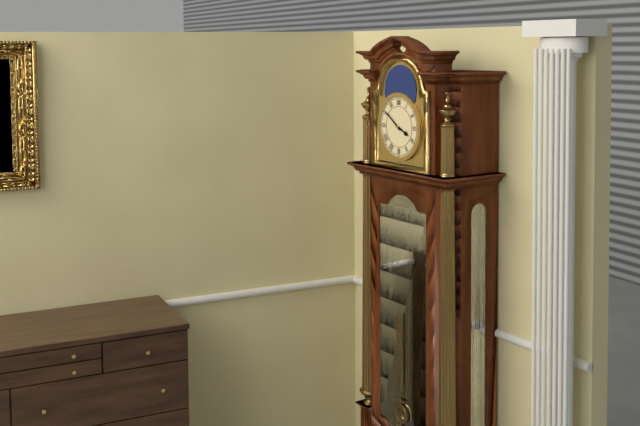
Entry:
3 h 51 min
